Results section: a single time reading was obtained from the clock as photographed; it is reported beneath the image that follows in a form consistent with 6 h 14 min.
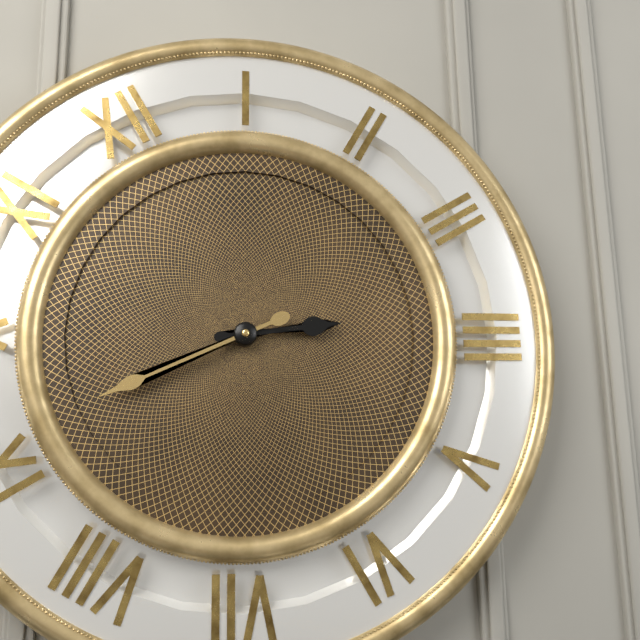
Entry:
3 h 46 min
